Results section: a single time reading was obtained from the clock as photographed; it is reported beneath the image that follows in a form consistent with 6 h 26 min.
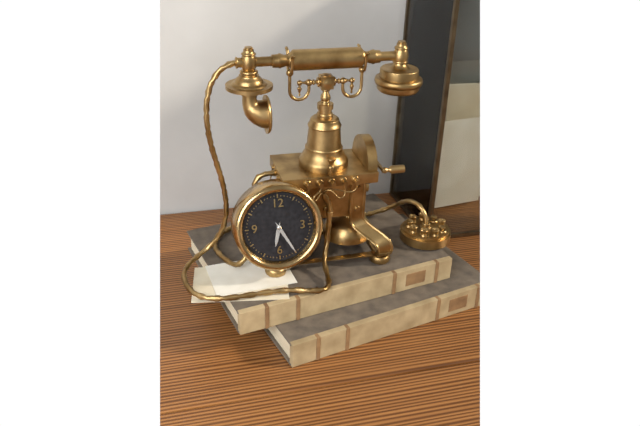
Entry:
6 h 25 min
